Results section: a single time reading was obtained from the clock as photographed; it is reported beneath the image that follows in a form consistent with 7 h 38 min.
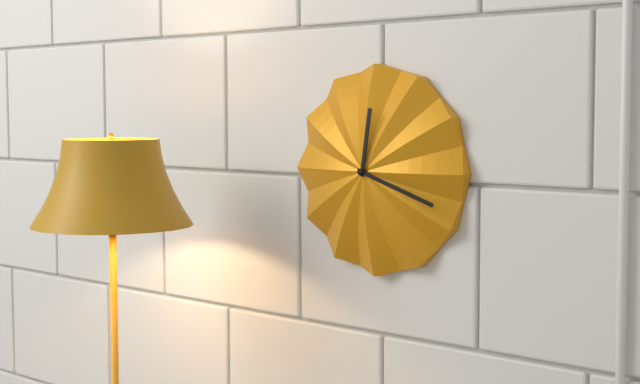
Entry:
12 h 18 min
